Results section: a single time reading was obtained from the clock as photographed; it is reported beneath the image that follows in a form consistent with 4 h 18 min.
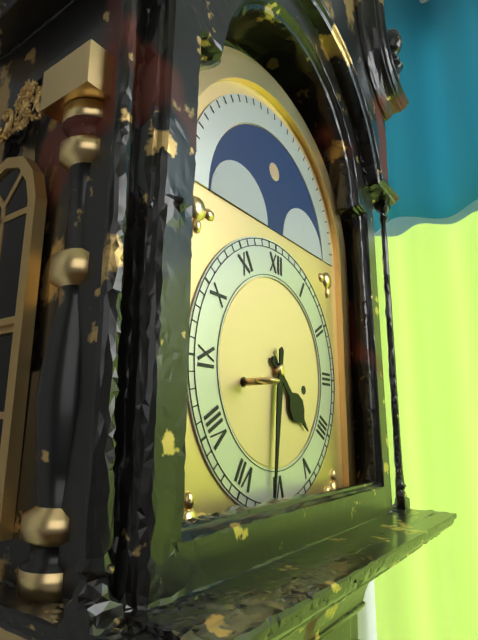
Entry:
4 h 31 min
